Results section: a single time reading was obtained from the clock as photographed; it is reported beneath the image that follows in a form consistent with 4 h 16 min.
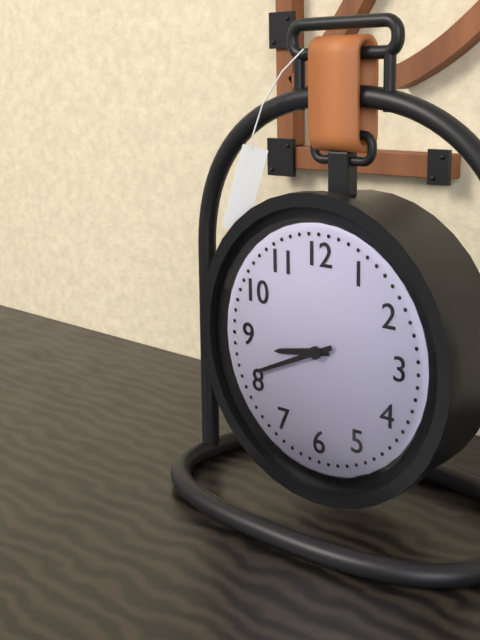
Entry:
8 h 41 min
